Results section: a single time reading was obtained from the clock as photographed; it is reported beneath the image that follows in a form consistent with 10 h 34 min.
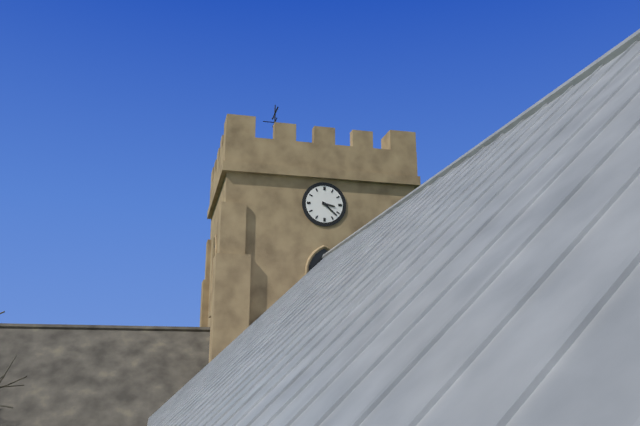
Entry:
3 h 22 min
